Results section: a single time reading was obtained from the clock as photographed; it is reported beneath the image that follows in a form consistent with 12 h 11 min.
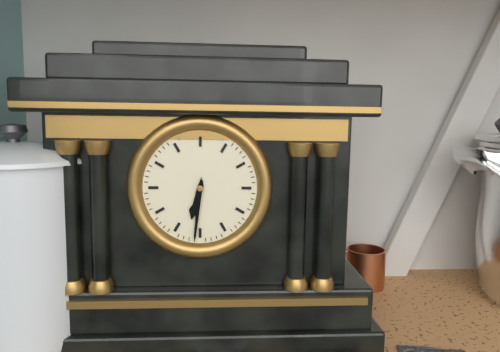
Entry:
6 h 31 min
